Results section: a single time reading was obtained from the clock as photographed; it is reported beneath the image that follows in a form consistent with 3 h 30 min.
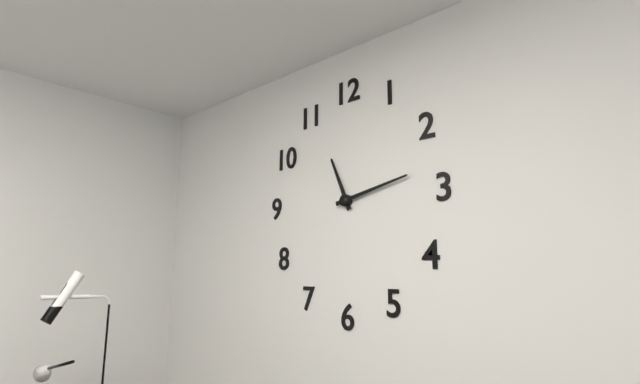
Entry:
11 h 13 min
